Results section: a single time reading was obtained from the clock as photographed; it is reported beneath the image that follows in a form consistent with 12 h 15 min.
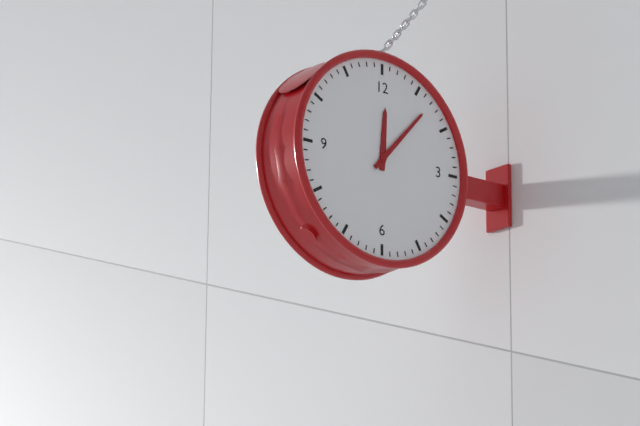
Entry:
12 h 07 min
